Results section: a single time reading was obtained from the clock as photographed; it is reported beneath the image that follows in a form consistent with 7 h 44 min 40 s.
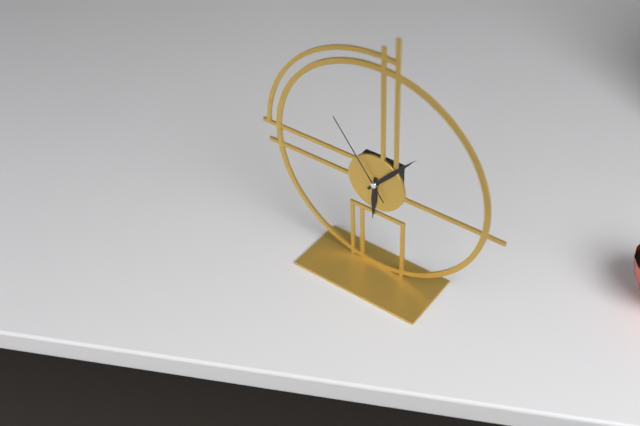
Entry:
6 h 07 min 54 s
